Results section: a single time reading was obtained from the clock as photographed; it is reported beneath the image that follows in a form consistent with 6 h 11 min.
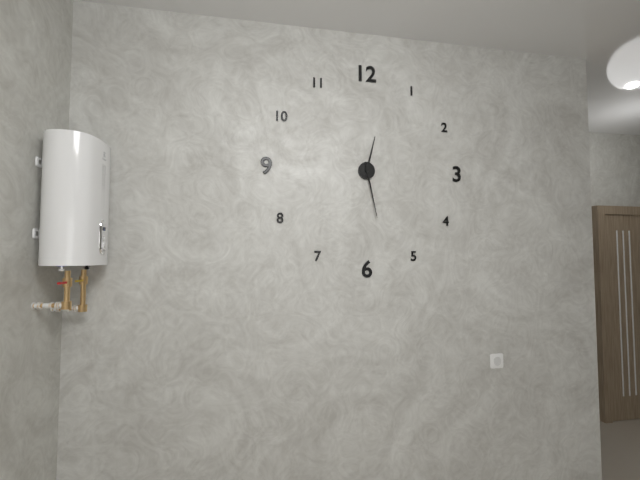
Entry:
12 h 28 min
